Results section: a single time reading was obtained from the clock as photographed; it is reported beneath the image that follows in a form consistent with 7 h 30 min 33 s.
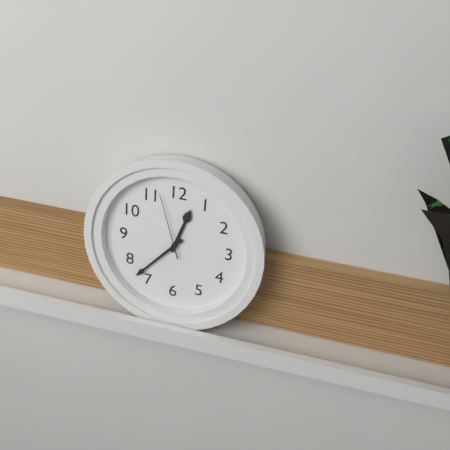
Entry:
12 h 37 min 57 s
